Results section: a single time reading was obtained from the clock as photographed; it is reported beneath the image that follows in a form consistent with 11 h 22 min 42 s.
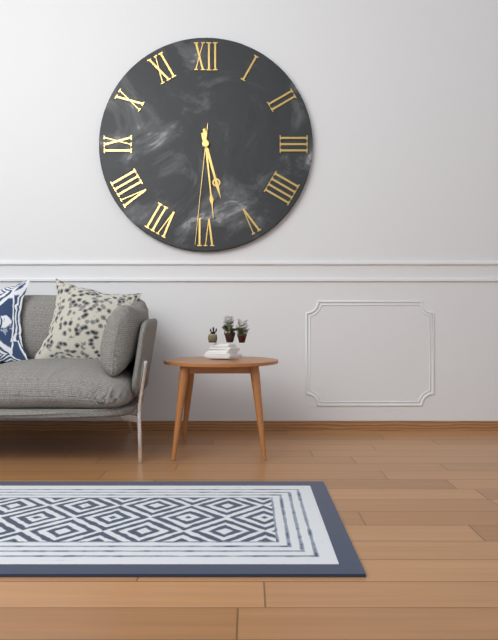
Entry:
5 h 29 min 31 s
